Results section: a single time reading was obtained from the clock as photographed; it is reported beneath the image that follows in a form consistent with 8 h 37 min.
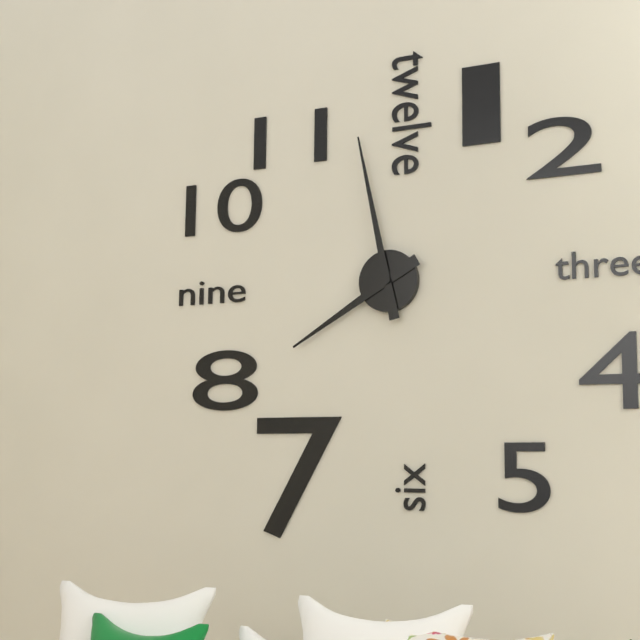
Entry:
7 h 58 min
